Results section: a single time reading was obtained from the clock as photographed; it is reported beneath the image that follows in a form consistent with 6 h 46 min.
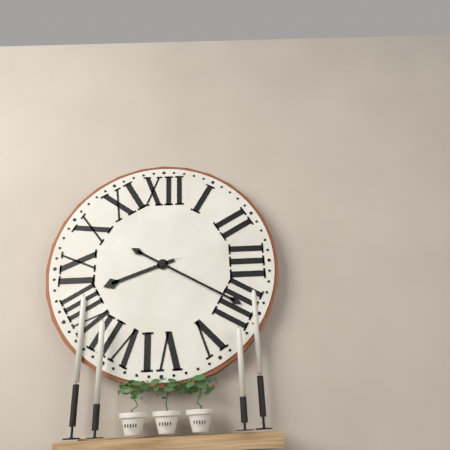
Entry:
8 h 20 min
